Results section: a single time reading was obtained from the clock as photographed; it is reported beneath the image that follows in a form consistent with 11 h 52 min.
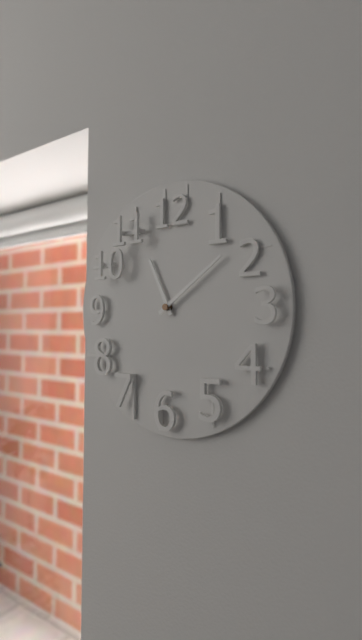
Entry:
11 h 09 min
